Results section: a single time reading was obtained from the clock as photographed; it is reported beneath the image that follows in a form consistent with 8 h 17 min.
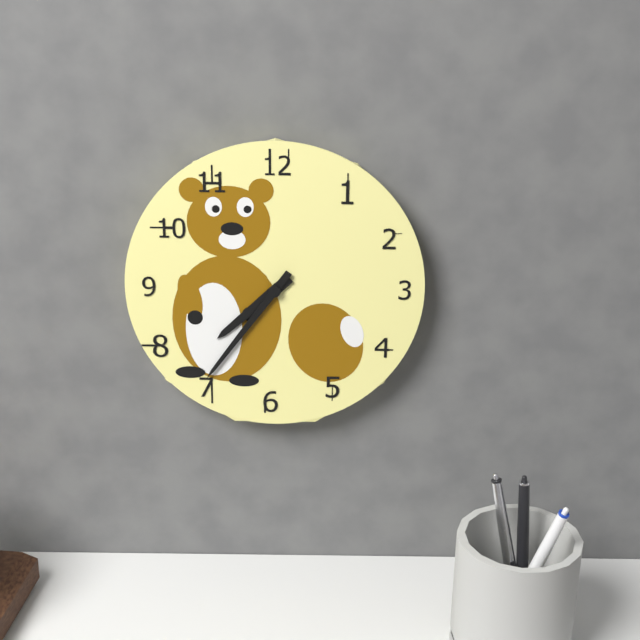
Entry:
7 h 36 min
